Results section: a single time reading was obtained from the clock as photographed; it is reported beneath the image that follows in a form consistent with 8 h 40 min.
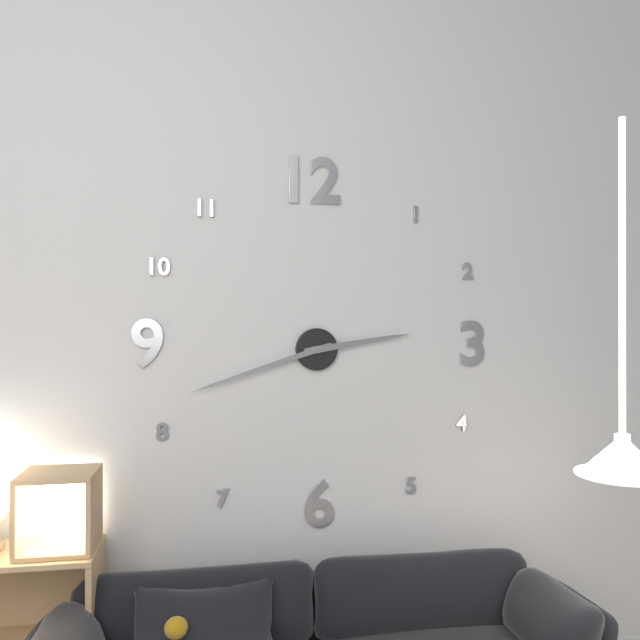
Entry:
2 h 42 min
